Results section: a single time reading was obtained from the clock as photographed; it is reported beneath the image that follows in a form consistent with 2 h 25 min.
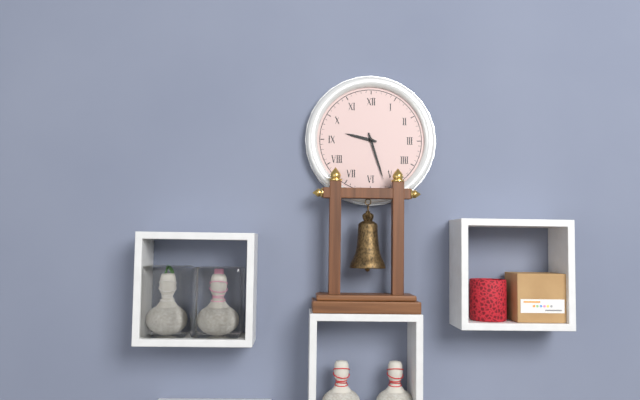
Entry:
9 h 27 min
